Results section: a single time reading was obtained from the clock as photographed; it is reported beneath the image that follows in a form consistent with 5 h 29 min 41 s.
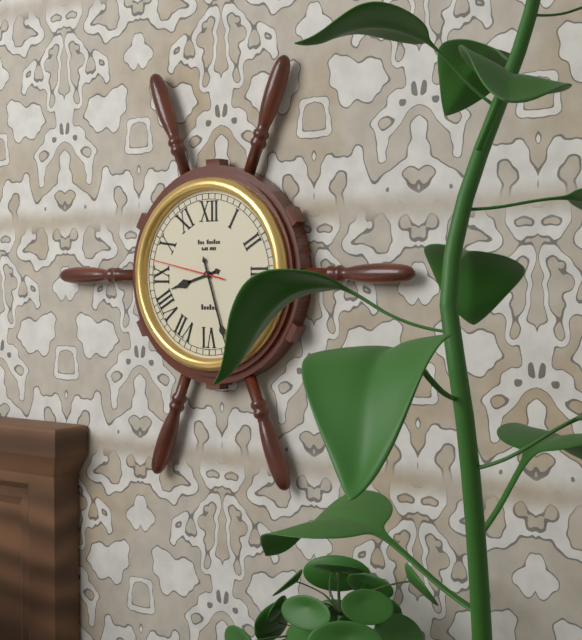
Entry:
8 h 27 min 47 s
